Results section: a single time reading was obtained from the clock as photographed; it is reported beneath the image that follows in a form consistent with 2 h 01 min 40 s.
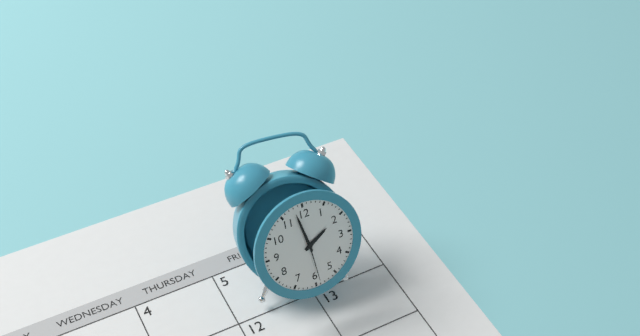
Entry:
1 h 58 min 29 s
